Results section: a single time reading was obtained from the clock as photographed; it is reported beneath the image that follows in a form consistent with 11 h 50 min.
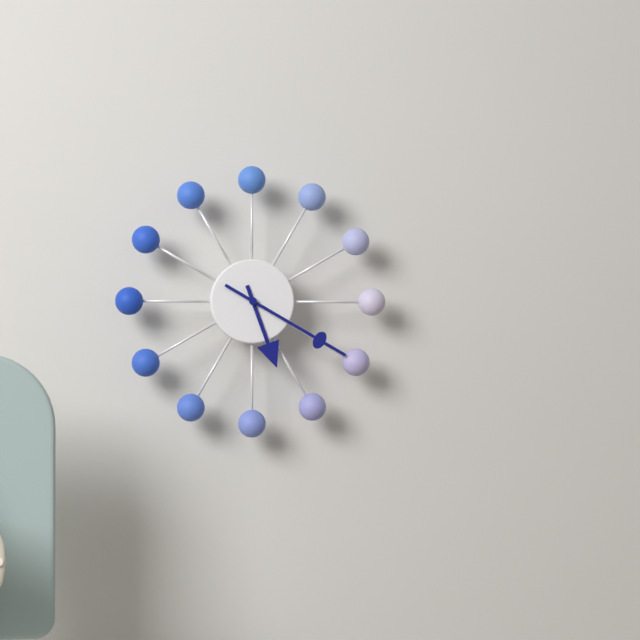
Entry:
5 h 20 min
